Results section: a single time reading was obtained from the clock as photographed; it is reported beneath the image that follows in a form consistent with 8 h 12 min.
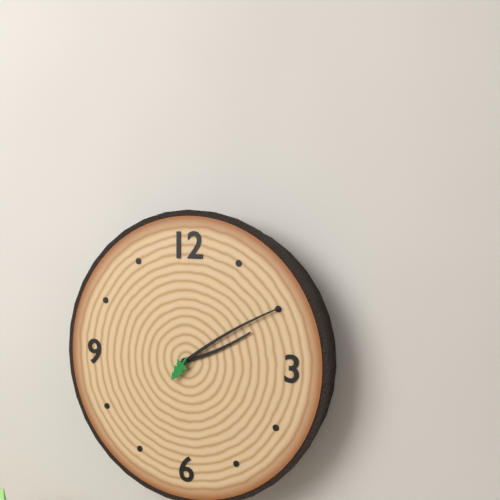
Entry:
2 h 10 min
